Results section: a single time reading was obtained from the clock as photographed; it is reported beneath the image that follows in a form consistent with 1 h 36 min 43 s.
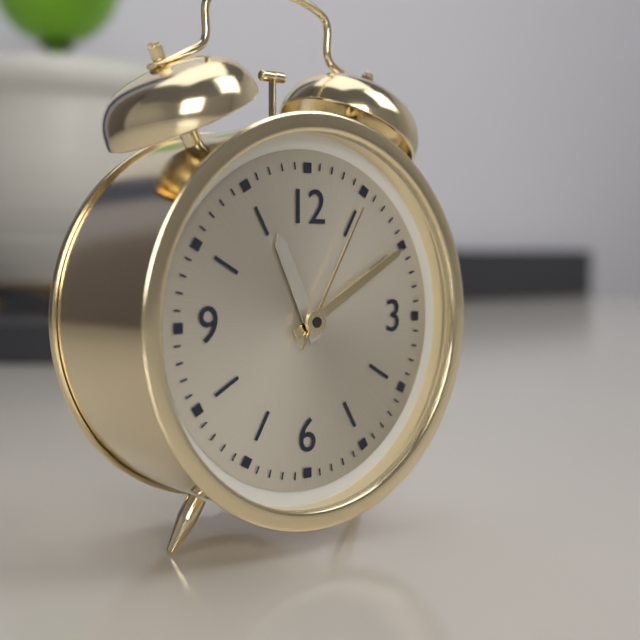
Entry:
11 h 10 min 05 s
